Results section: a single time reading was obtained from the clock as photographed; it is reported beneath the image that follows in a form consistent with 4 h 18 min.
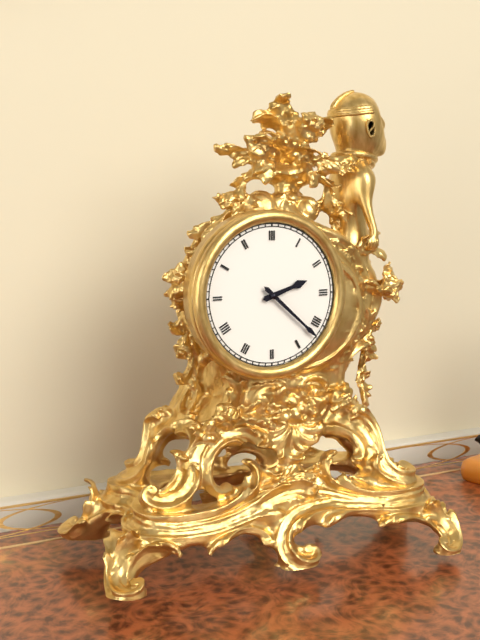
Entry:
2 h 22 min
